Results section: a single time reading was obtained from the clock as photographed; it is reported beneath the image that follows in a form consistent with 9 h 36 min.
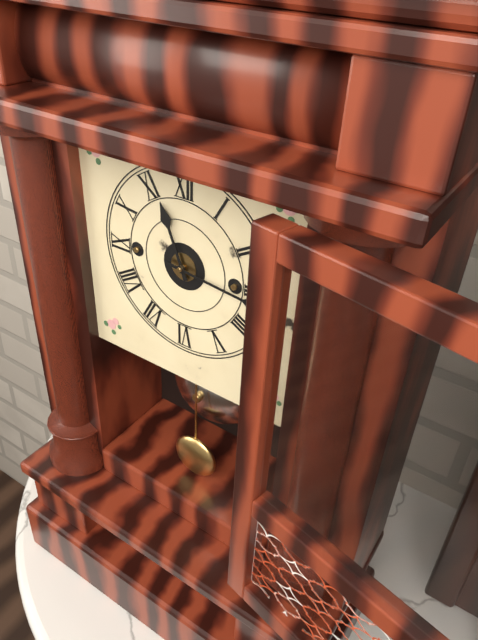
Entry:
11 h 16 min
